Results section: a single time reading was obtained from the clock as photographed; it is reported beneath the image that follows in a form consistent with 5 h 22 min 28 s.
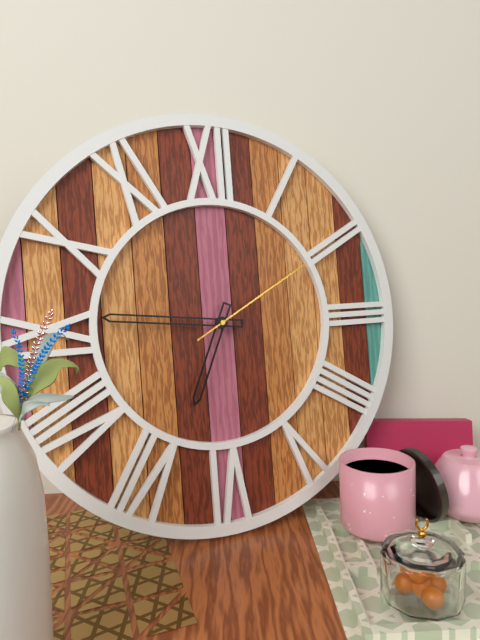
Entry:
6 h 46 min 10 s
